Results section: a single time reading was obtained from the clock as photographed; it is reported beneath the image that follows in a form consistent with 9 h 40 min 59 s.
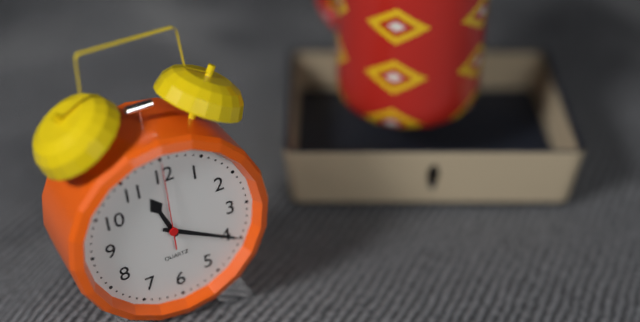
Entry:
11 h 20 min 00 s
